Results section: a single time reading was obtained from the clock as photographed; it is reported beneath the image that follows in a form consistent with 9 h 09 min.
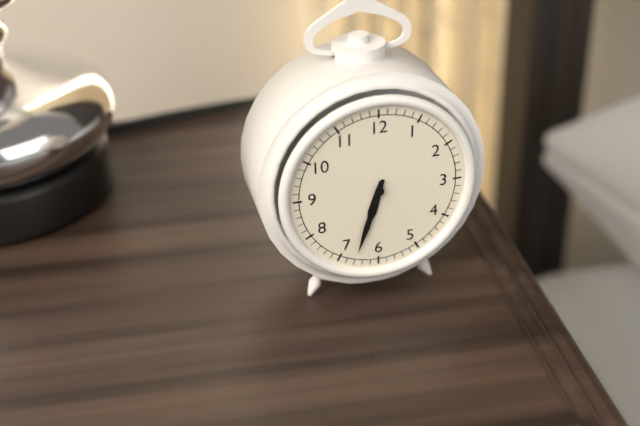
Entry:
6 h 33 min
